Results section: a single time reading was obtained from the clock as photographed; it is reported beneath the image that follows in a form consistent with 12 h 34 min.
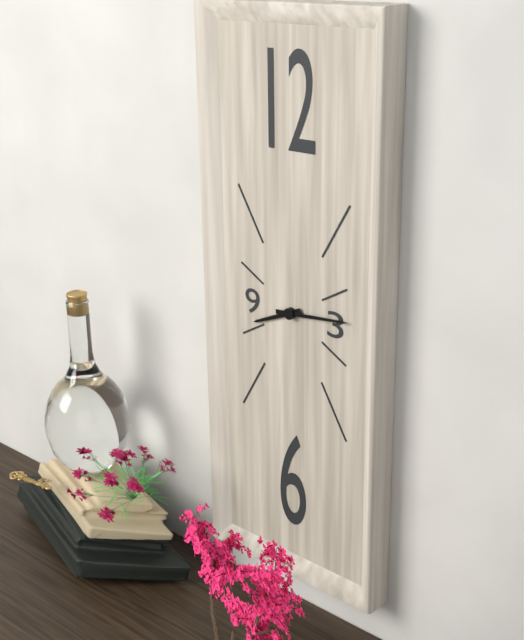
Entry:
8 h 14 min
